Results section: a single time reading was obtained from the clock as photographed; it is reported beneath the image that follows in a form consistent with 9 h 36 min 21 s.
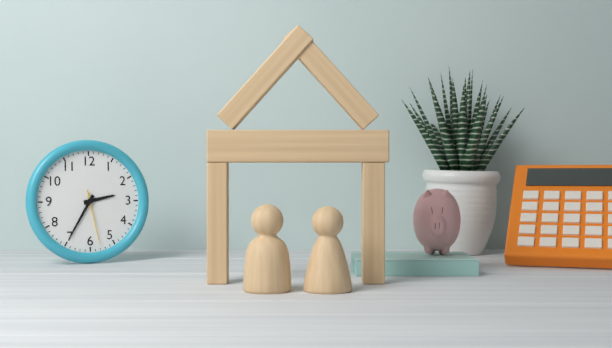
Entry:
2 h 35 min 28 s
